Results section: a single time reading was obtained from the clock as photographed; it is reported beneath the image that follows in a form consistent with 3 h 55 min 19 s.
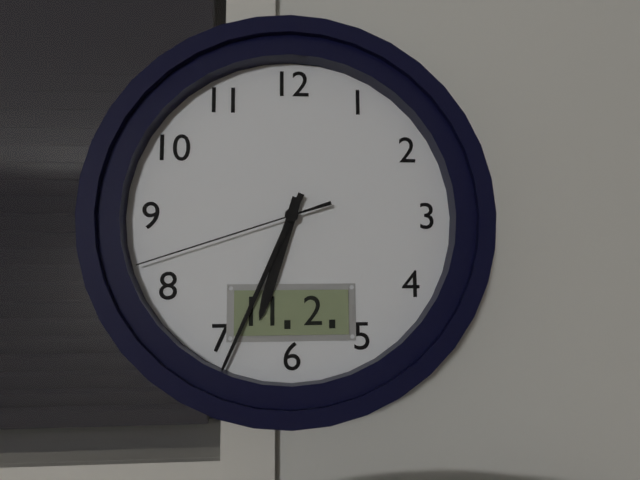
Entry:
6 h 34 min 42 s
